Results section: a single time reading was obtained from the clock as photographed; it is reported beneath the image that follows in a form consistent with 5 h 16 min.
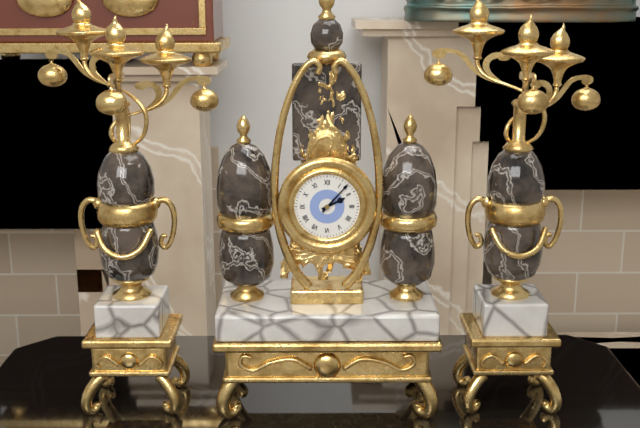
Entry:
2 h 07 min
